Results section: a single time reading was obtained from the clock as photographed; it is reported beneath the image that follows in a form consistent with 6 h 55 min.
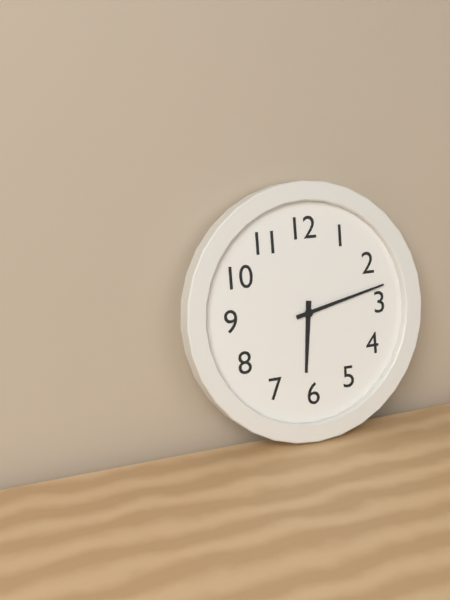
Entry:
6 h 13 min
